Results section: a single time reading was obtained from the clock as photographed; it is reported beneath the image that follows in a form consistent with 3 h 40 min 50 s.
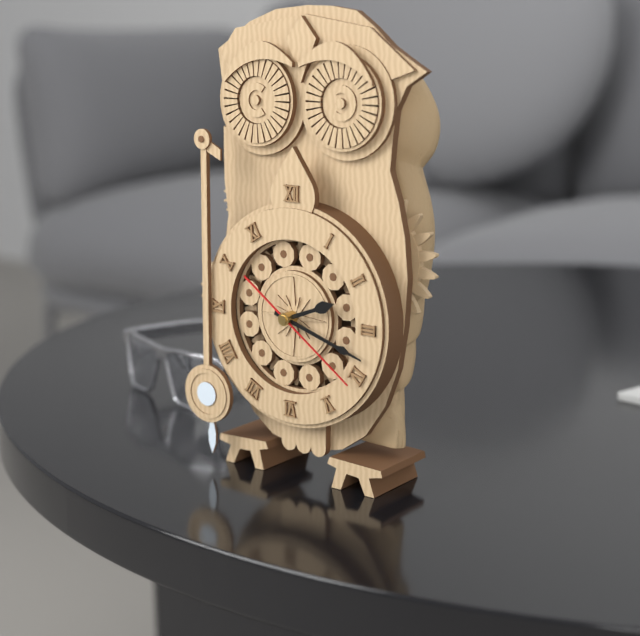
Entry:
2 h 18 min 21 s
